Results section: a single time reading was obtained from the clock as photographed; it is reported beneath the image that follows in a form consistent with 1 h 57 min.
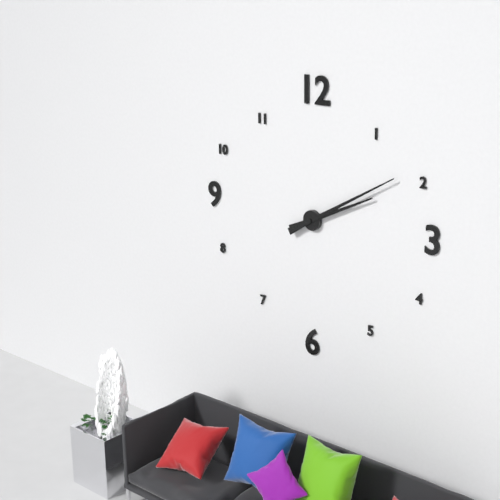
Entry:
2 h 10 min
